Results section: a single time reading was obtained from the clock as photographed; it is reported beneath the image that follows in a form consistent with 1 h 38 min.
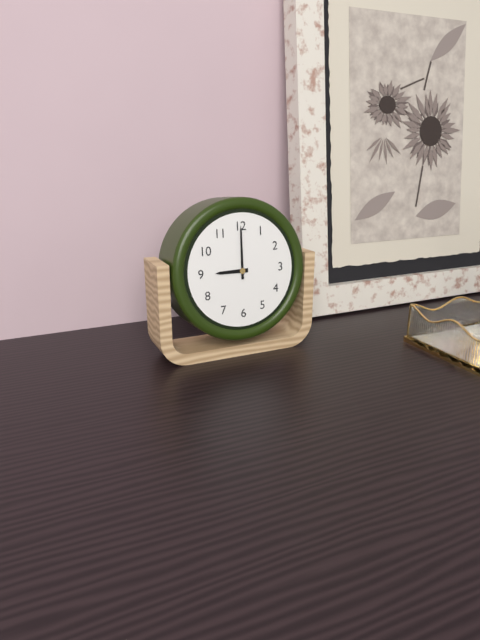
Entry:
9 h 00 min
